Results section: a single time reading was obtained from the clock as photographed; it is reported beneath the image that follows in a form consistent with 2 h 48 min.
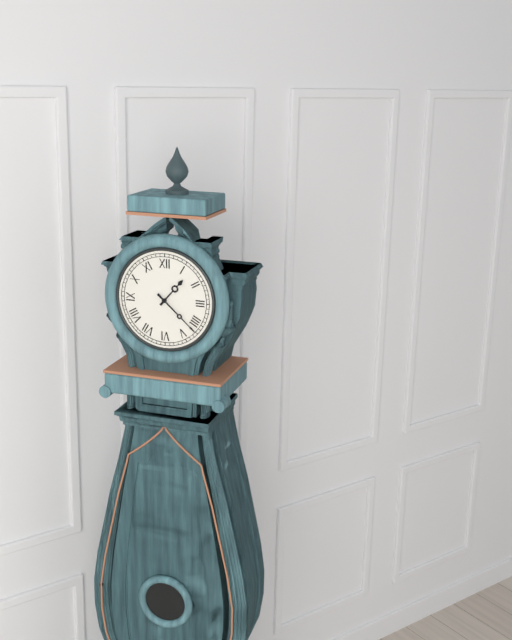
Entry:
1 h 22 min
